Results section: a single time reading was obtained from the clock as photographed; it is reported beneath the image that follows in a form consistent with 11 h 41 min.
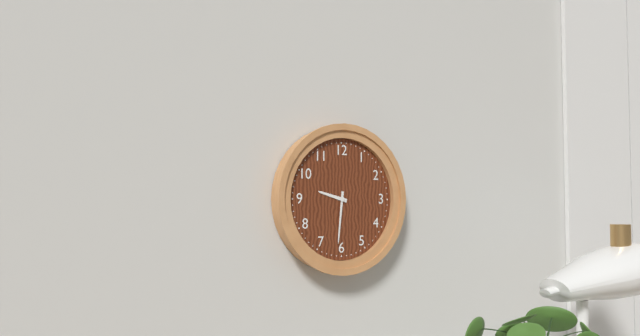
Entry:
9 h 31 min
